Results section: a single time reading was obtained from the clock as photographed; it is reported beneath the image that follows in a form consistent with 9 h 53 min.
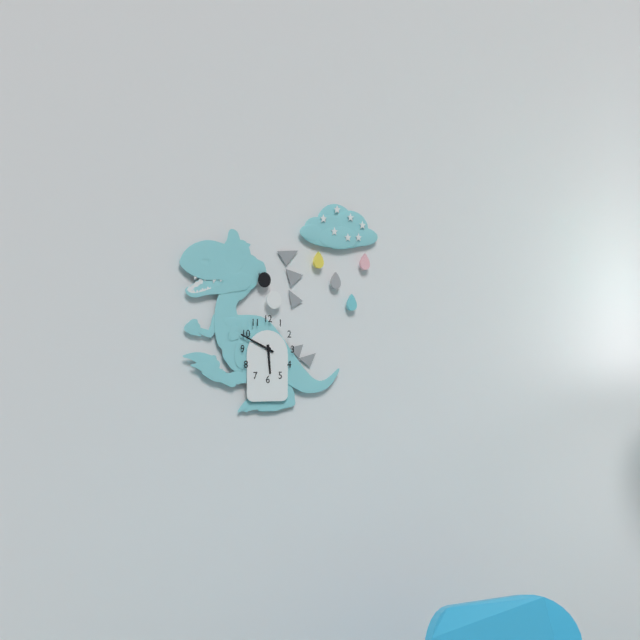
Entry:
5 h 49 min
